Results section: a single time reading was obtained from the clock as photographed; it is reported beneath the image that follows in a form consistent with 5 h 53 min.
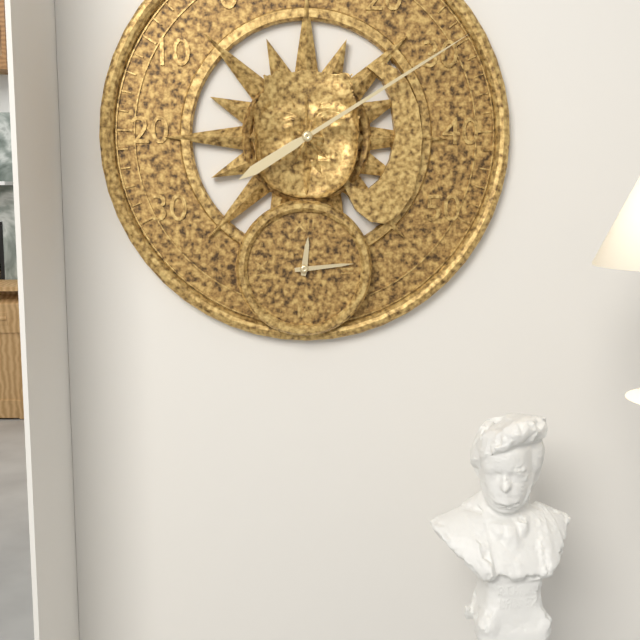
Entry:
12 h 14 min
